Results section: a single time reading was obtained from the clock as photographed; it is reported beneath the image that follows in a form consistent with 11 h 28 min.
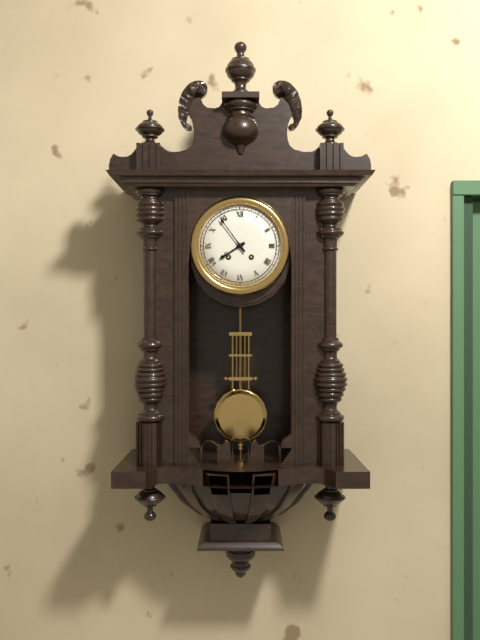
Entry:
7 h 54 min
